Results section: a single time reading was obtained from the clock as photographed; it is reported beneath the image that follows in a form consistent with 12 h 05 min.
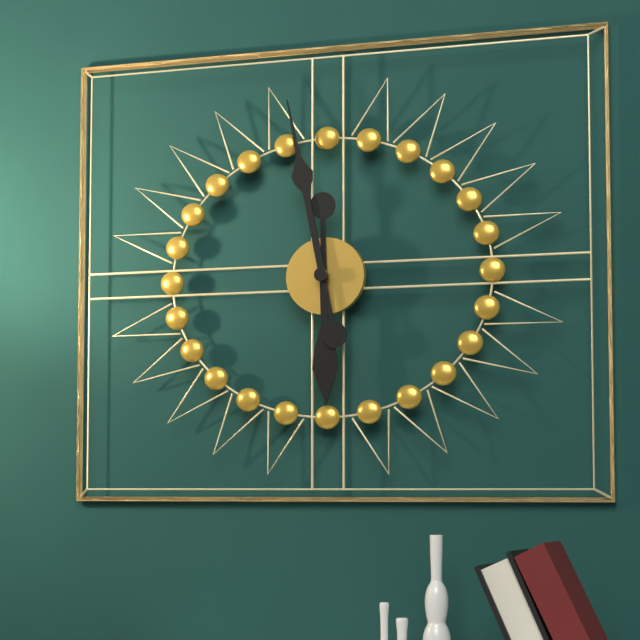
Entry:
5 h 58 min
